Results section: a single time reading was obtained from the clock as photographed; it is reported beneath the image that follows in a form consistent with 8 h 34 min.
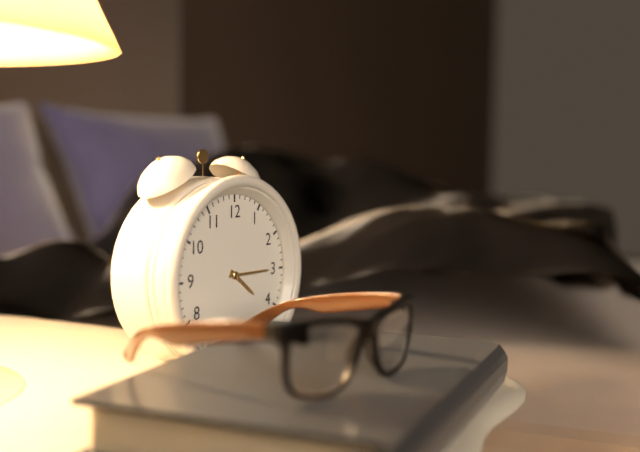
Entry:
4 h 15 min
